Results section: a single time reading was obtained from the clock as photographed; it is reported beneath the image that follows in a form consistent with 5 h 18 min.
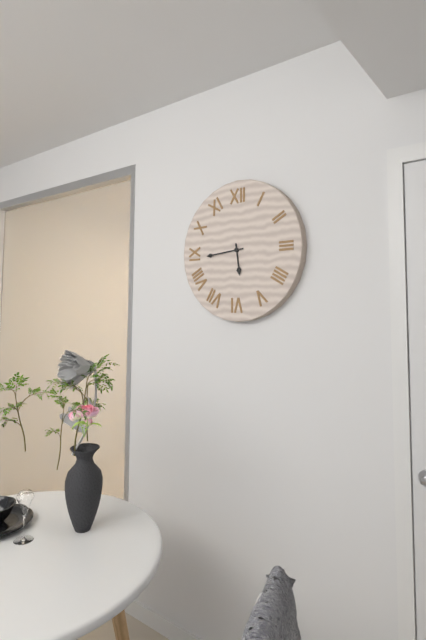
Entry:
5 h 44 min
